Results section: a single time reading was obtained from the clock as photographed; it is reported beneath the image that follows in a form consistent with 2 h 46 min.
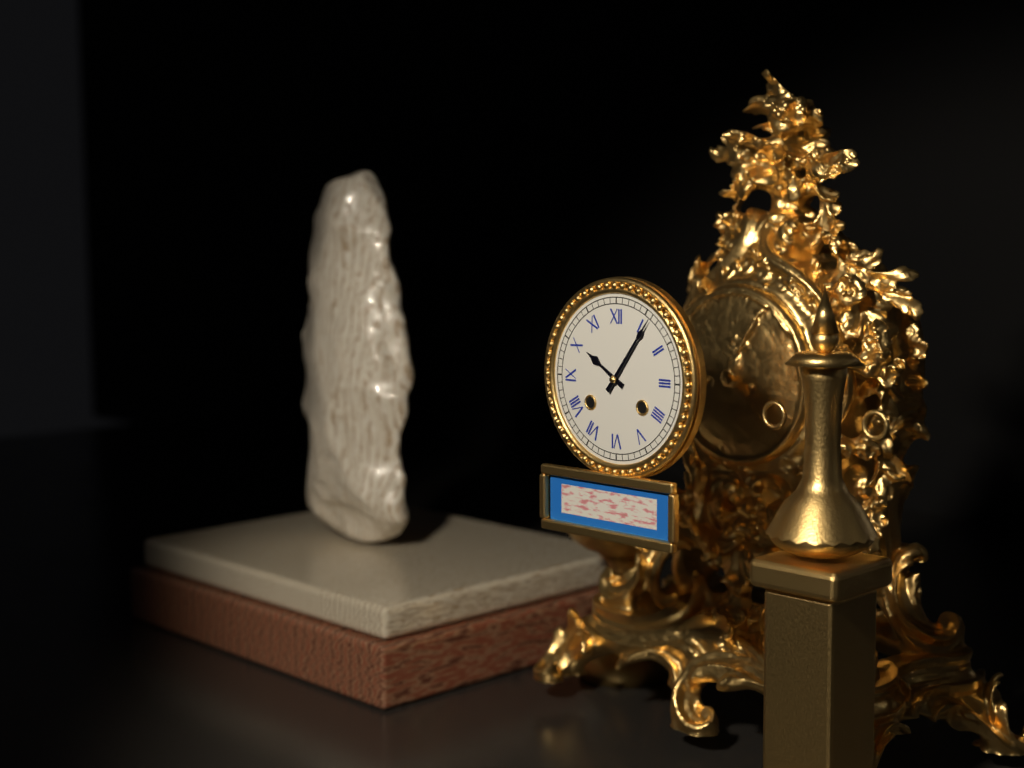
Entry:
10 h 06 min
